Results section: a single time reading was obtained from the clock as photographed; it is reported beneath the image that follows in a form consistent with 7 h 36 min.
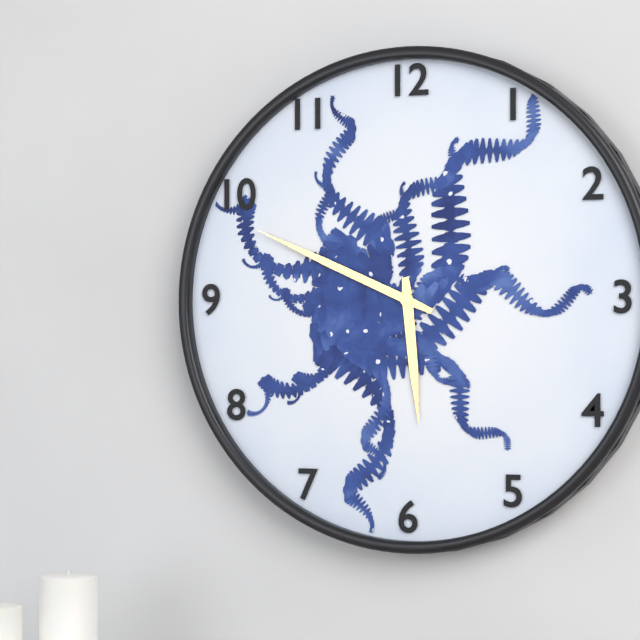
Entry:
5 h 49 min
